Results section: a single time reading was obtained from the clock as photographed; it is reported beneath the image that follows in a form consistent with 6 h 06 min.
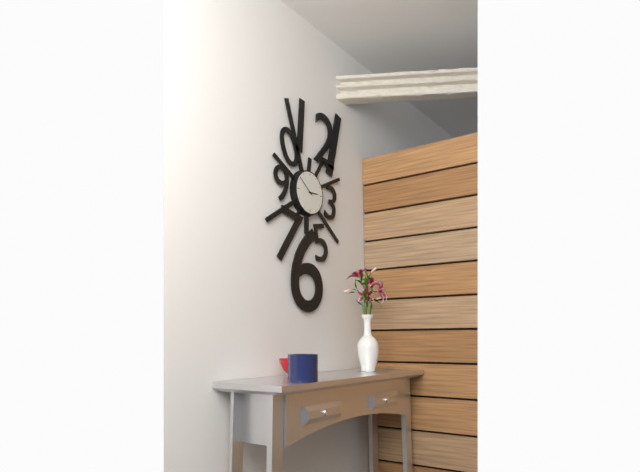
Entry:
2 h 51 min
